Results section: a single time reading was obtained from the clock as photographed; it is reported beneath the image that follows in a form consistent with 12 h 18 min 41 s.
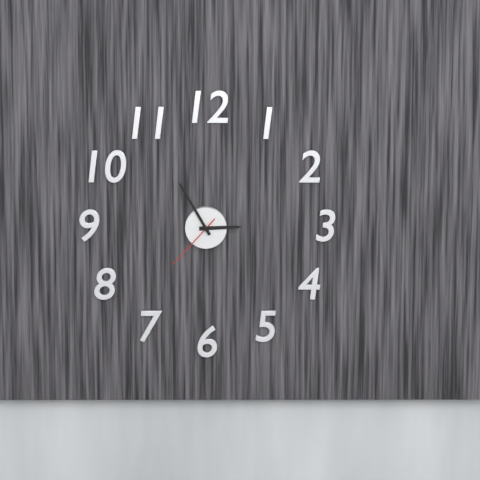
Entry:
2 h 55 min 37 s
